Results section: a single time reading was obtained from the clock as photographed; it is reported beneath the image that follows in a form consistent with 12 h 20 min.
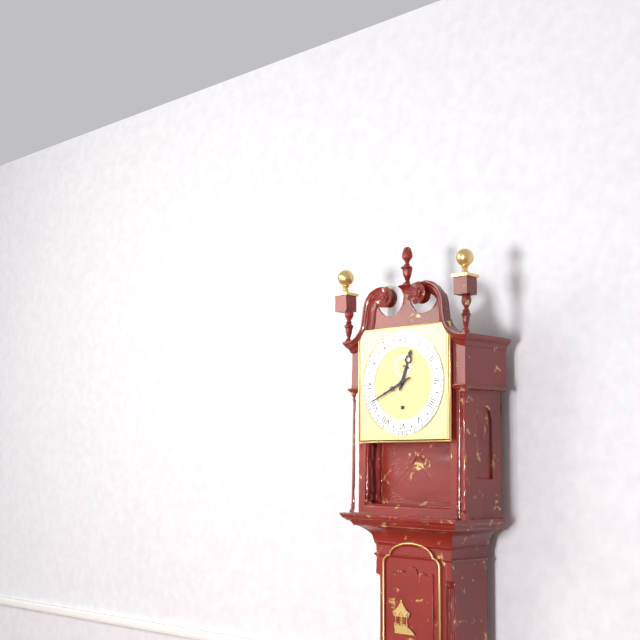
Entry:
12 h 41 min
